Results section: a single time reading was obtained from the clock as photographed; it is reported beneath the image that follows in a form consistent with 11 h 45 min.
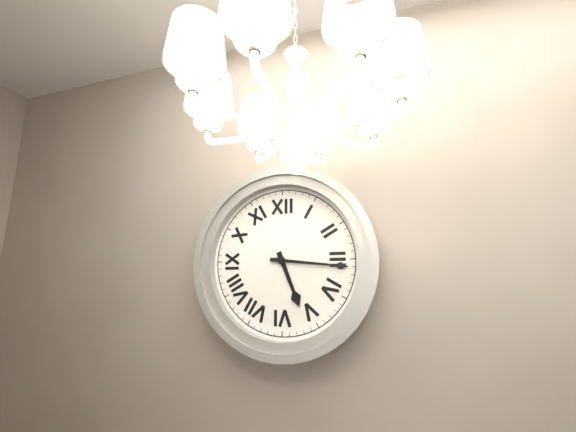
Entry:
5 h 16 min
